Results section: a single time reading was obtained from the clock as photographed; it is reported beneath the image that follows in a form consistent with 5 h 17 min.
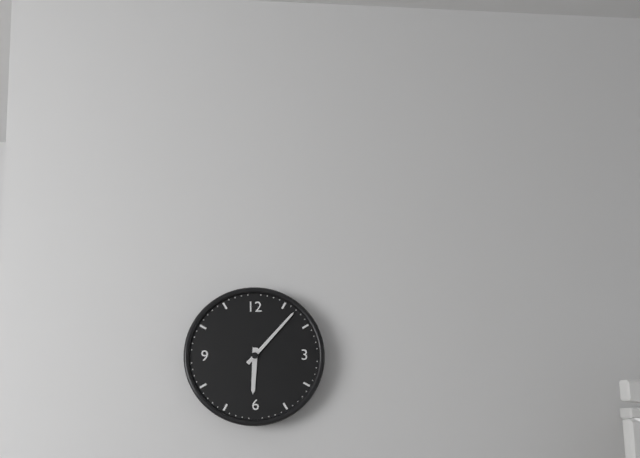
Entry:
6 h 07 min
